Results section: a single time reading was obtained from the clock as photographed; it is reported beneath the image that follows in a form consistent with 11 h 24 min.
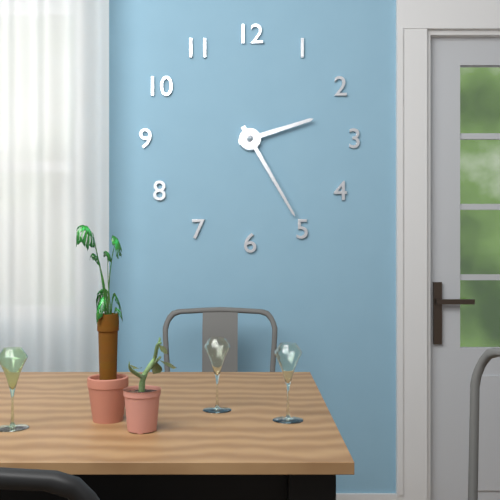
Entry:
2 h 25 min
